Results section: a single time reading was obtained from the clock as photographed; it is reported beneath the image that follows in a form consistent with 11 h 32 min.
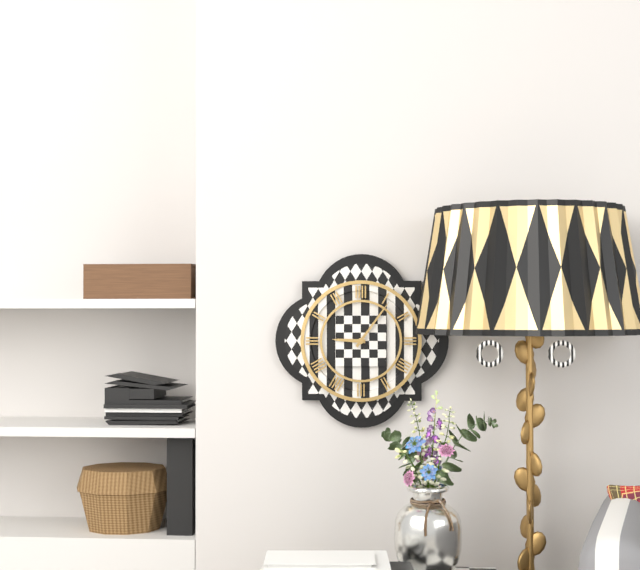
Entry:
9 h 06 min
